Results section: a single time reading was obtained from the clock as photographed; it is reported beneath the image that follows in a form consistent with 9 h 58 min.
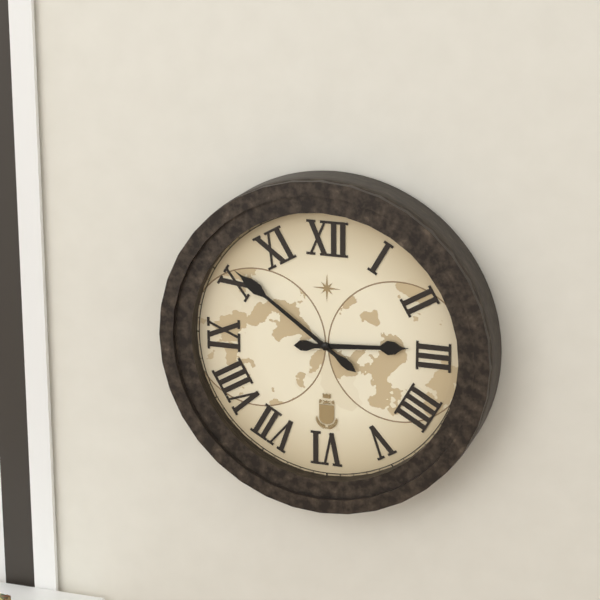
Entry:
2 h 51 min
